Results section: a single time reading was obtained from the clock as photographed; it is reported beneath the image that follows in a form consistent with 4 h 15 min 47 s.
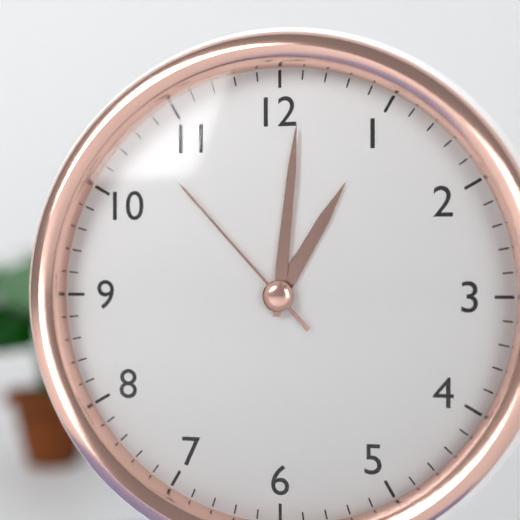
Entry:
1 h 01 min 53 s
